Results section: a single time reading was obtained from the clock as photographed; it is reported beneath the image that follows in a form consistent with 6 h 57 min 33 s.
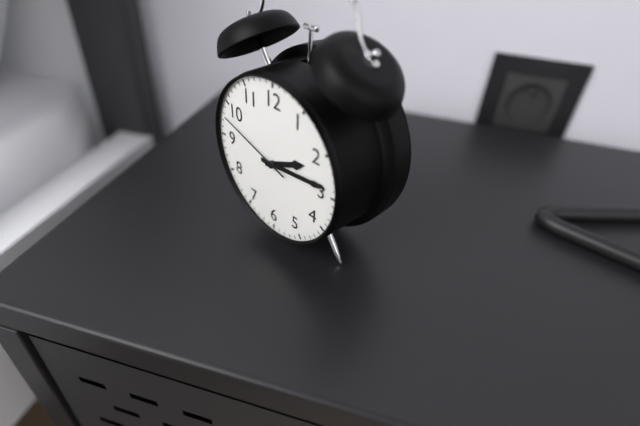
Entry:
2 h 14 min 48 s
